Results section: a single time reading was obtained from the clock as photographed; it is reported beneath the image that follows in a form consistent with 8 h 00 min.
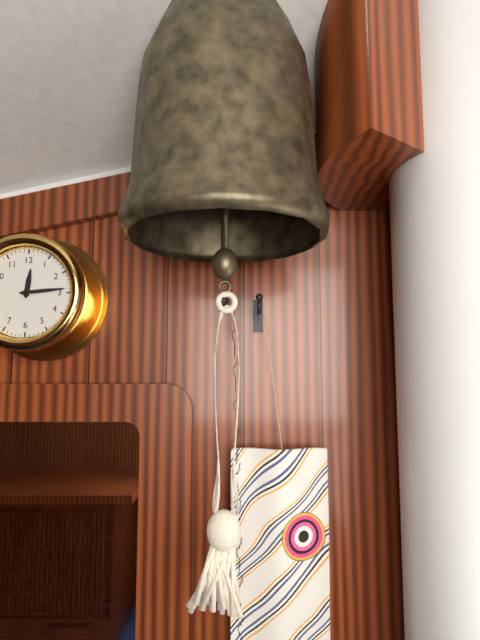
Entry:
12 h 14 min
